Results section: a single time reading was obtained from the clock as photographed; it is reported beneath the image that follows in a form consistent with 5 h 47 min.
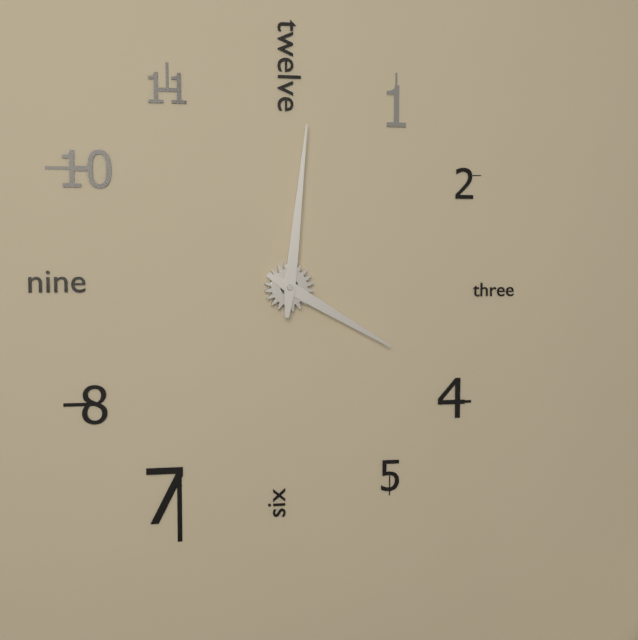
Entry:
4 h 01 min
